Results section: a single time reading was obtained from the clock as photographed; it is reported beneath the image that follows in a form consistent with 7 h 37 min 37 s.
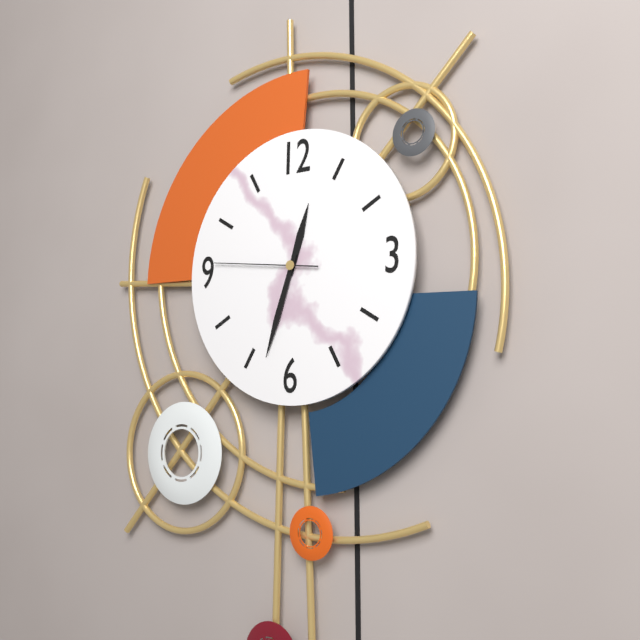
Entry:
12 h 33 min 46 s
